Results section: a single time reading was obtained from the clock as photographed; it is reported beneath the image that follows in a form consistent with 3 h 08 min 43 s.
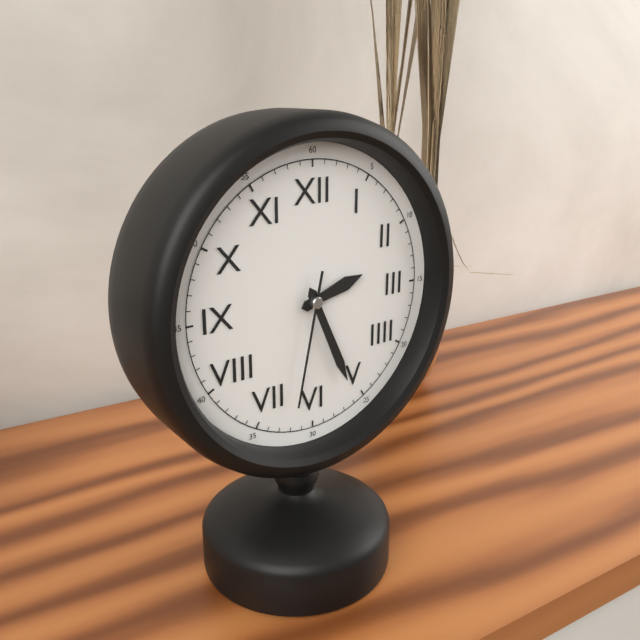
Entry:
2 h 26 min 32 s
